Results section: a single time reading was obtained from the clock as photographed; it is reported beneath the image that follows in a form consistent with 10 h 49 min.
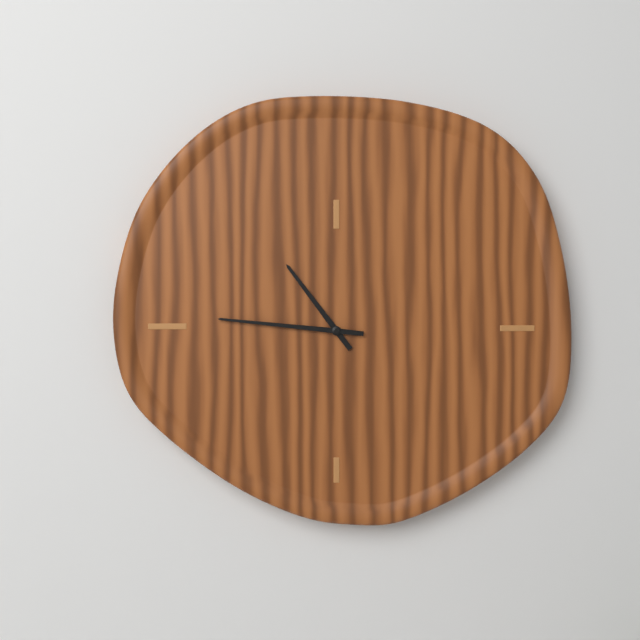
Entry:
10 h 46 min
